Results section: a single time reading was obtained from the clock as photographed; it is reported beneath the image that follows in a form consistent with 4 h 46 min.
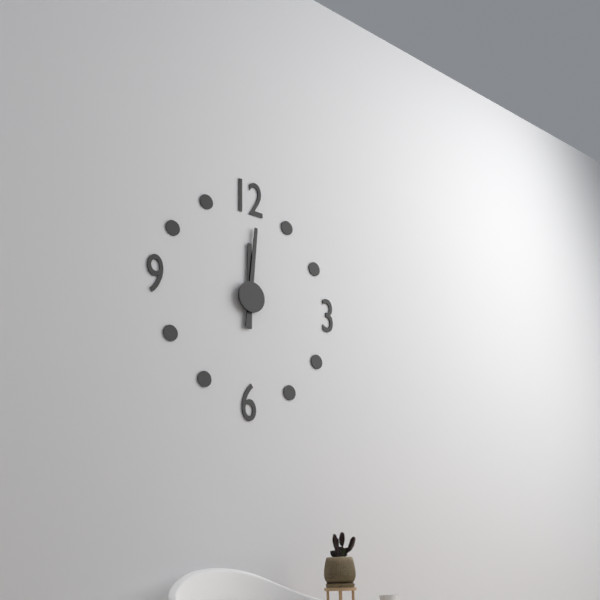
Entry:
12 h 01 min
